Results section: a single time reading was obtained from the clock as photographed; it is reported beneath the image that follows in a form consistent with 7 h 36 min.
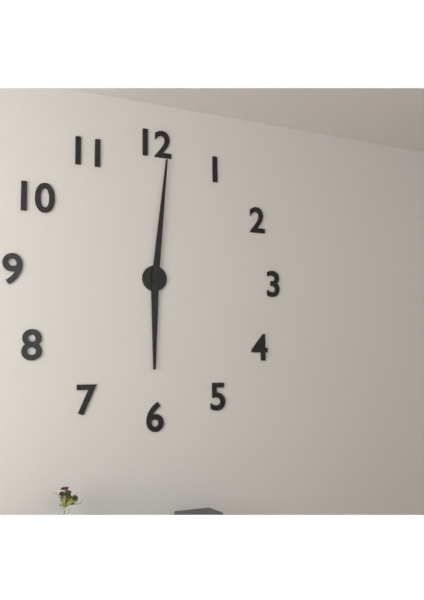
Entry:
6 h 01 min
